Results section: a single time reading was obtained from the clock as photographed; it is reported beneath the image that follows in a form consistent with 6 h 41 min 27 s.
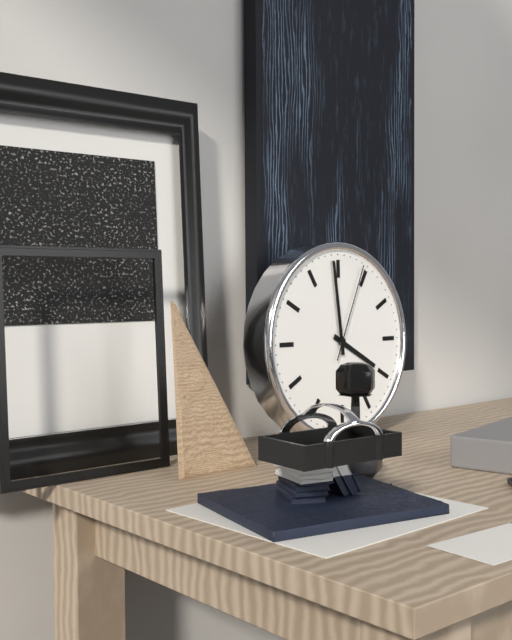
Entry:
3 h 59 min 04 s
